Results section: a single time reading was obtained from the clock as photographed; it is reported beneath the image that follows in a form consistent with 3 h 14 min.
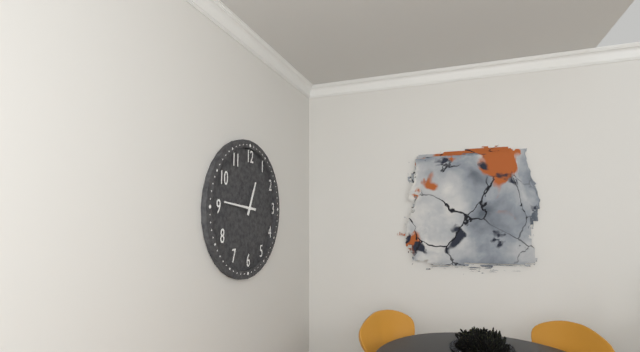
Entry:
12 h 46 min
